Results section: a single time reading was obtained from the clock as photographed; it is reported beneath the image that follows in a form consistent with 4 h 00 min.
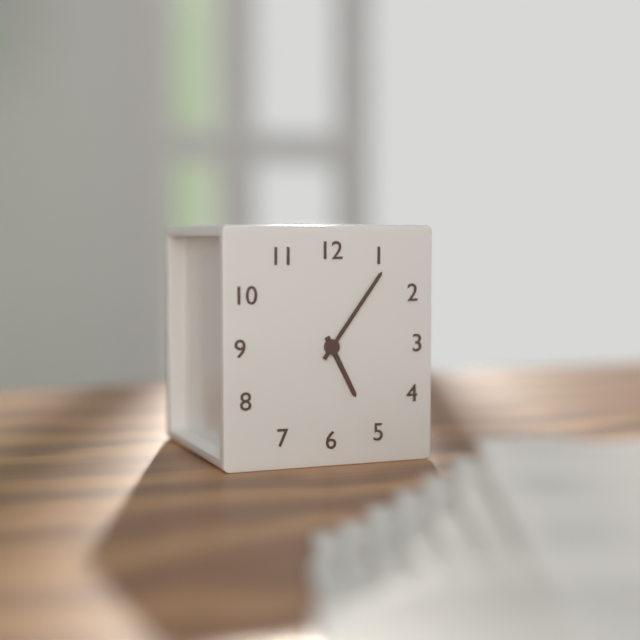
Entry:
5 h 06 min
